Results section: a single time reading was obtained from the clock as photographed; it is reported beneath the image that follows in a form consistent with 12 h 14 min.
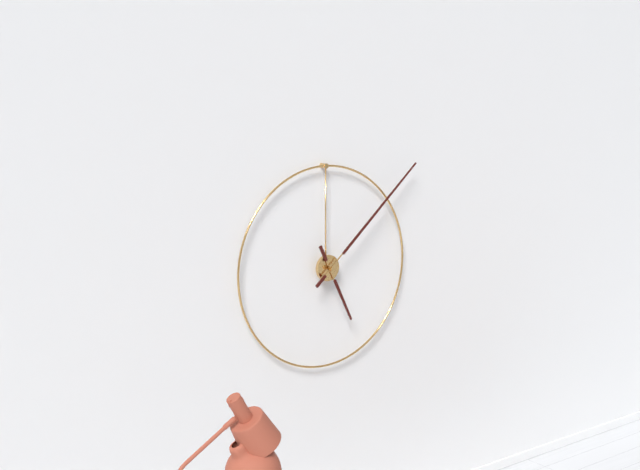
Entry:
5 h 08 min
